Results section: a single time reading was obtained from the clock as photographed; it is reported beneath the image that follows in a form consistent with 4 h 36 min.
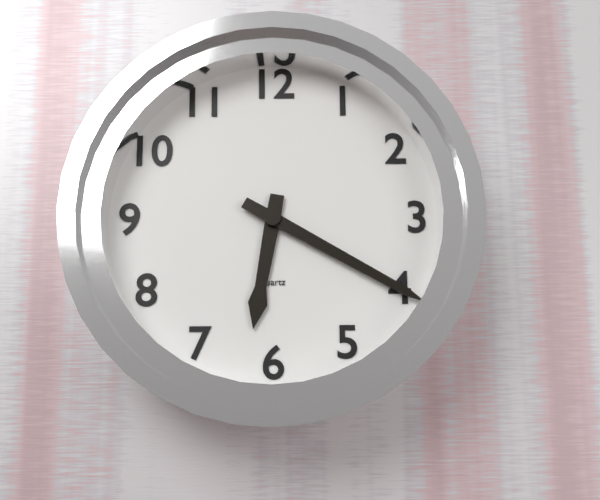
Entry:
6 h 20 min
